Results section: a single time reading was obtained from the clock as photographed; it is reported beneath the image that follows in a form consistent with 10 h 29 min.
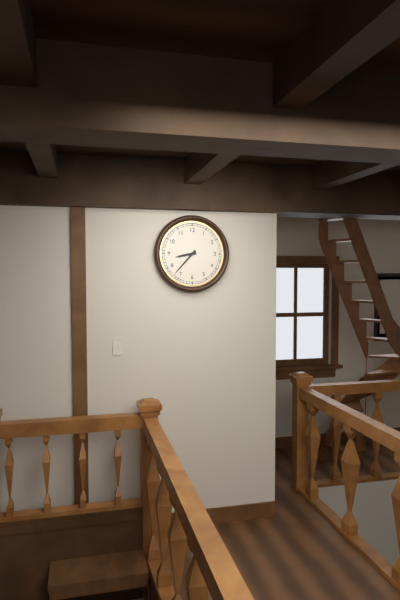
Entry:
8 h 37 min
